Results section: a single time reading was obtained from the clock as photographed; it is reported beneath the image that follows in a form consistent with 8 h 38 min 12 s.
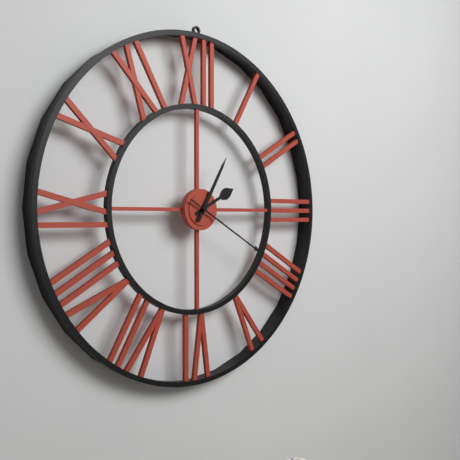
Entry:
2 h 05 min 20 s
